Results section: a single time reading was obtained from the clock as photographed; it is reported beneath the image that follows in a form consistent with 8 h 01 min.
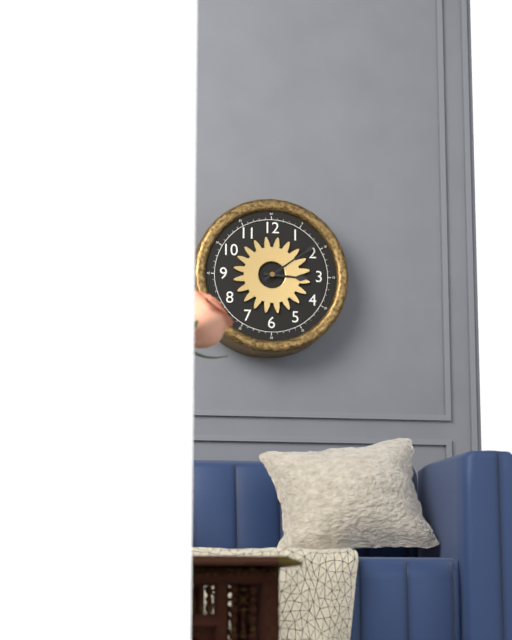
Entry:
3 h 09 min
